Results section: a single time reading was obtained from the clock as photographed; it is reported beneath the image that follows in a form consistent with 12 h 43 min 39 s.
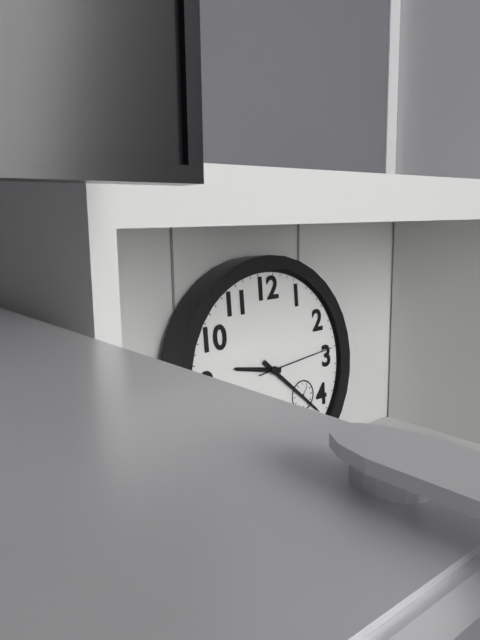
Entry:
9 h 22 min 14 s
